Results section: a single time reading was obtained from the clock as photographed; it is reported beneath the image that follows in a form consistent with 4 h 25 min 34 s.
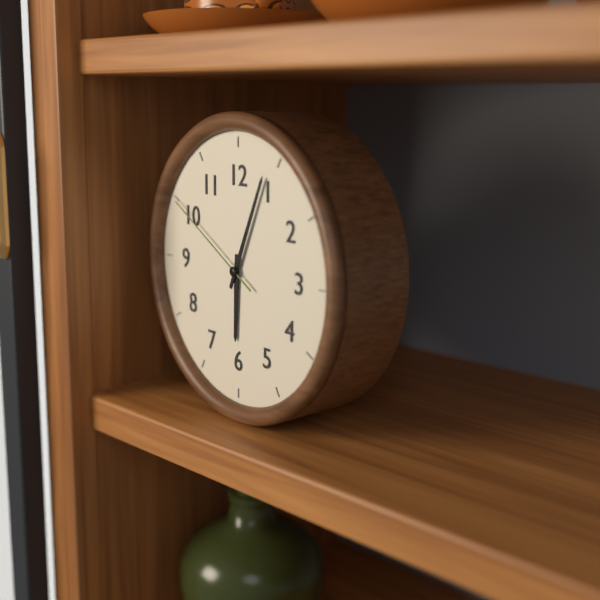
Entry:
6 h 04 min 50 s
